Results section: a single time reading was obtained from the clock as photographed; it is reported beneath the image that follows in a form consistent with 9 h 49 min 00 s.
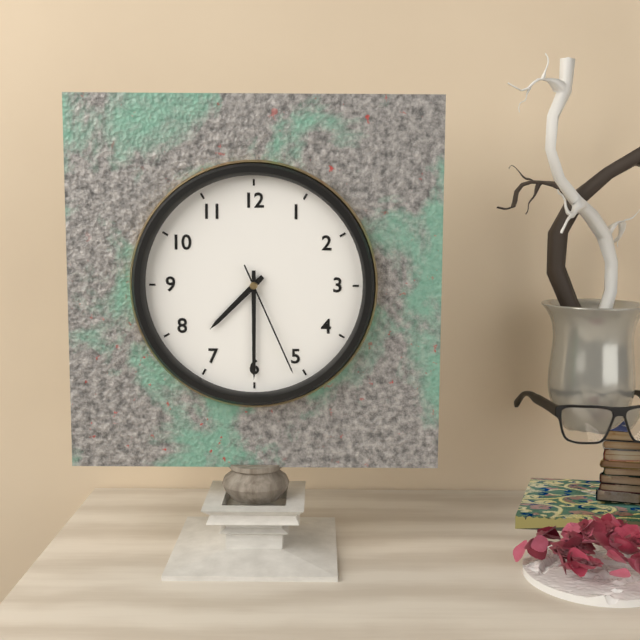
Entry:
7 h 30 min 26 s
